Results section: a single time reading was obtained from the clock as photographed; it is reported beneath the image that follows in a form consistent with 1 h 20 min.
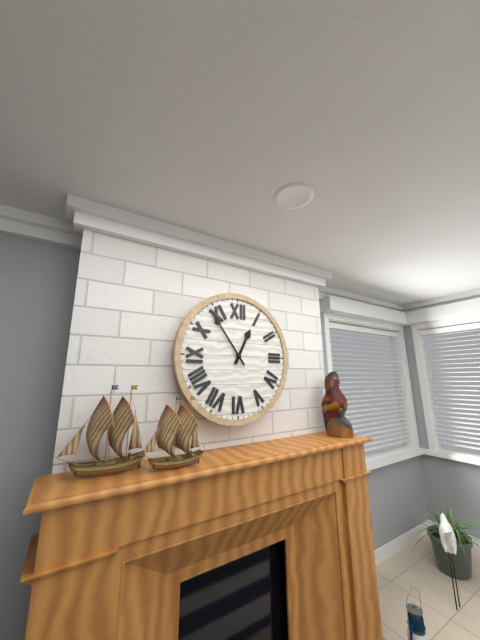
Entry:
12 h 54 min
